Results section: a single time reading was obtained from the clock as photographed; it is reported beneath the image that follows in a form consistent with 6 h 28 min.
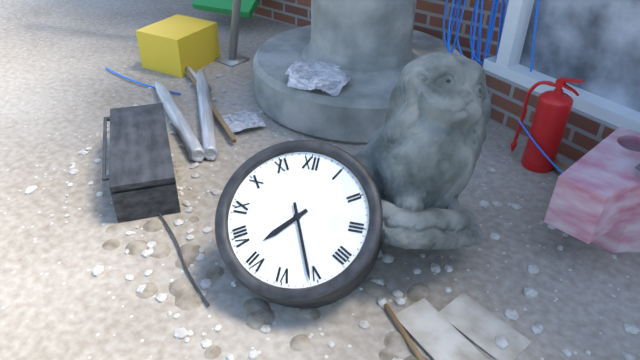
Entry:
7 h 26 min
